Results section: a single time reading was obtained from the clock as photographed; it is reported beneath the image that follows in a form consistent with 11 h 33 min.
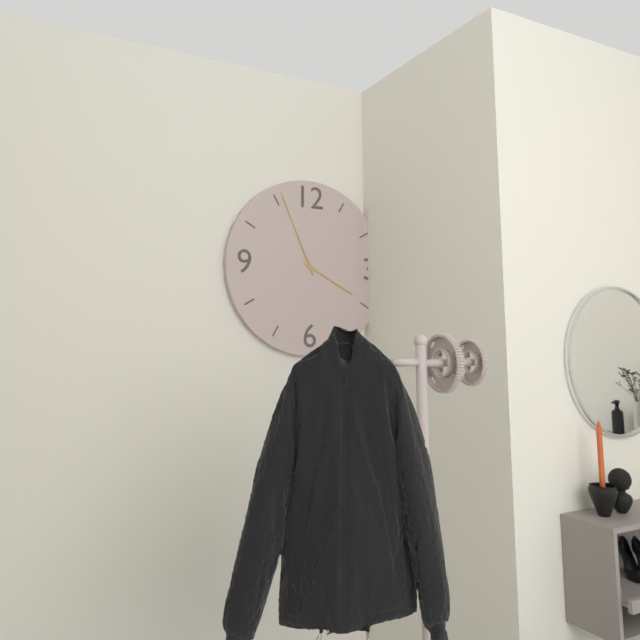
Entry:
3 h 56 min
